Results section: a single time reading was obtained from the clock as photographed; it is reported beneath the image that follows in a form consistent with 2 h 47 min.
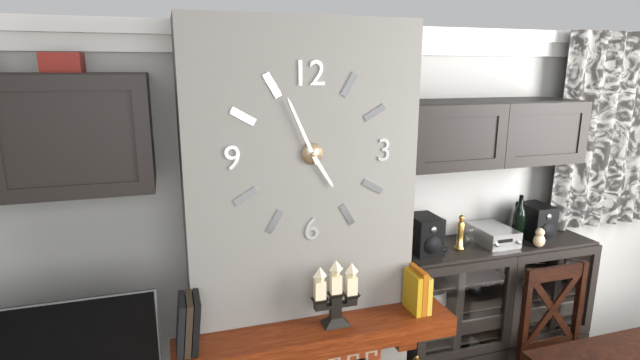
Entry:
4 h 56 min
